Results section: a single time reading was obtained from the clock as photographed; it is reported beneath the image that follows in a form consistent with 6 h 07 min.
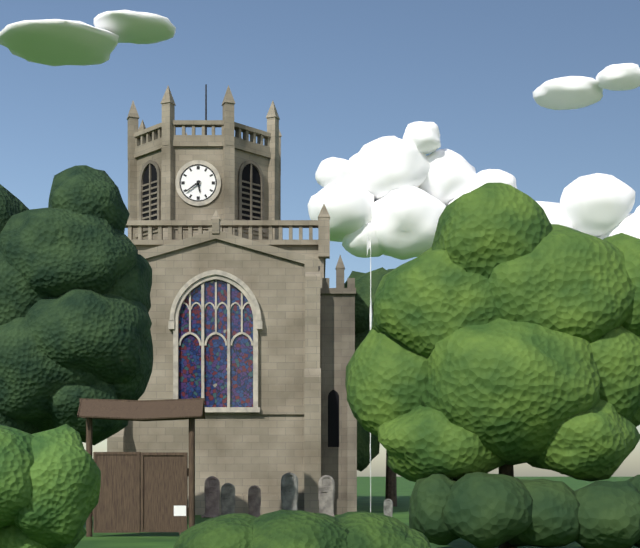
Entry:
5 h 39 min
